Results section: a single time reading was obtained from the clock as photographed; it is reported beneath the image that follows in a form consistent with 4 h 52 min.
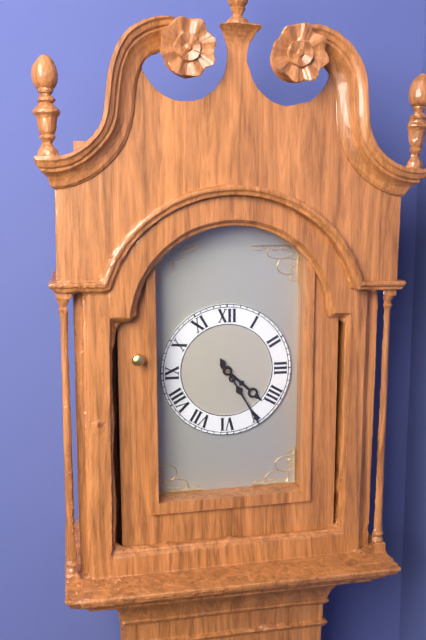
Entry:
4 h 25 min
